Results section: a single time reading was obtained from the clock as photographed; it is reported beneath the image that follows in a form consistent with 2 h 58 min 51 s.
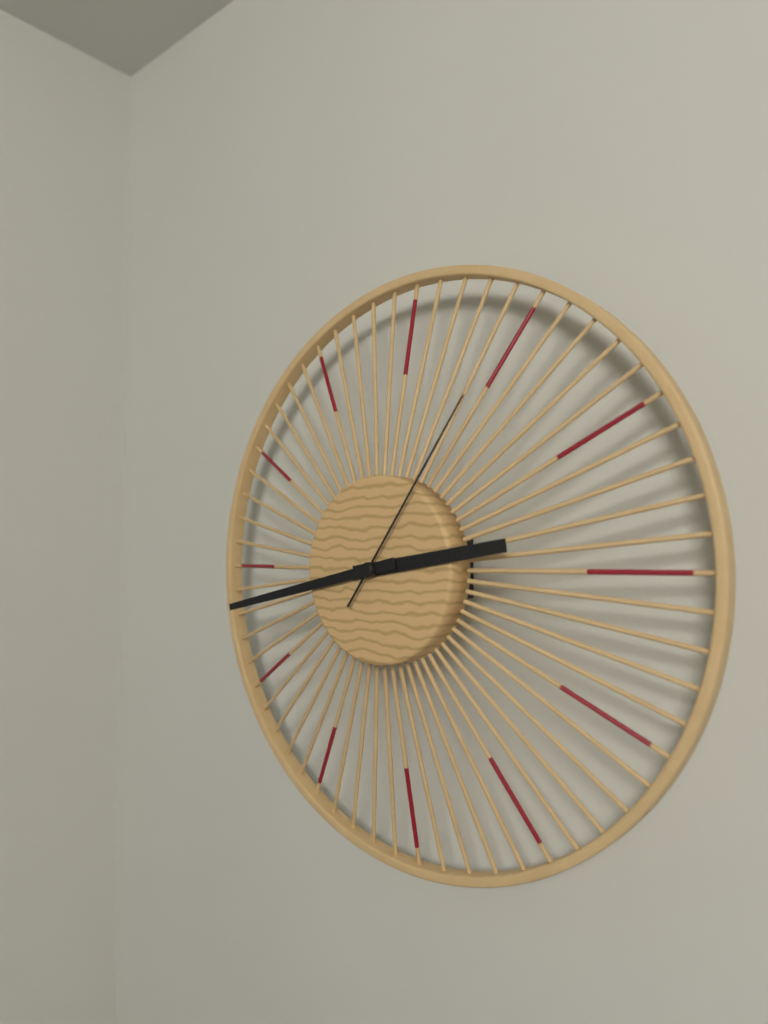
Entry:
2 h 43 min 06 s
